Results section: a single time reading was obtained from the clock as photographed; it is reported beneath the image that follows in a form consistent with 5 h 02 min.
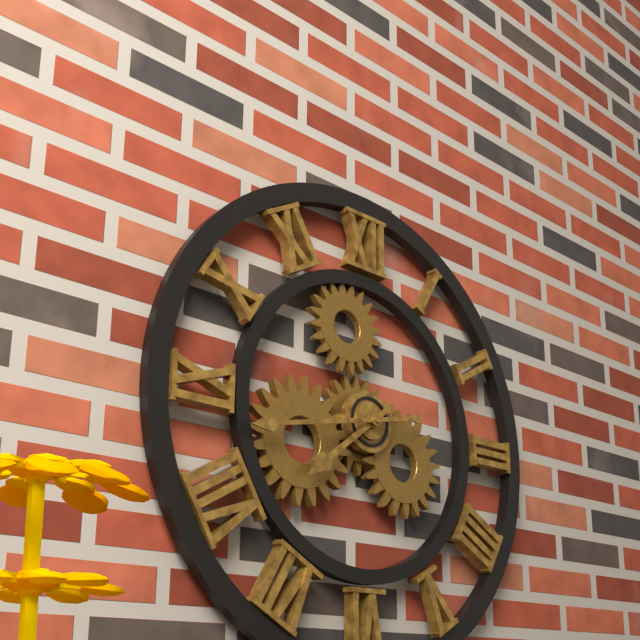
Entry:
7 h 43 min
